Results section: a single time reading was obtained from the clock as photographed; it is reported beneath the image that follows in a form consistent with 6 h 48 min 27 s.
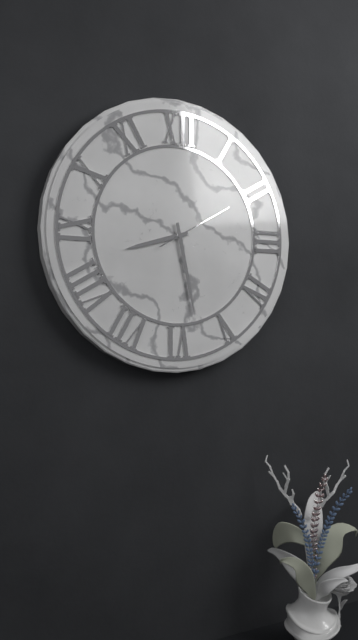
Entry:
8 h 28 min 10 s
